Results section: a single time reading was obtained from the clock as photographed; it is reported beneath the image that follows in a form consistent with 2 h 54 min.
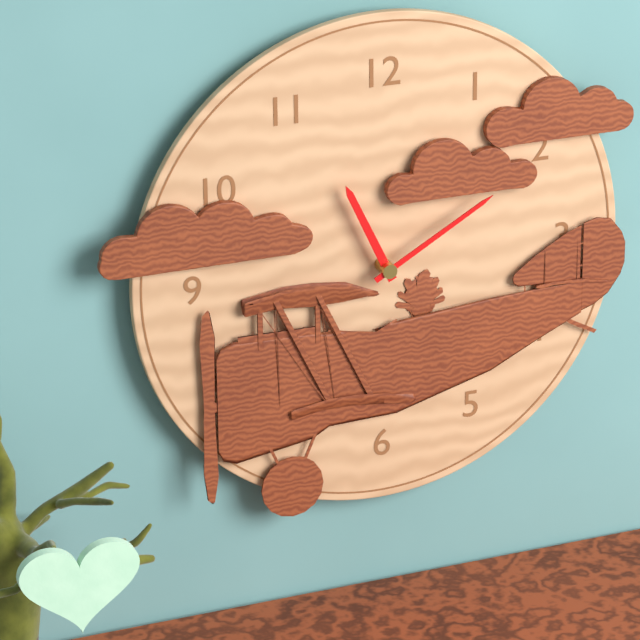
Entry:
11 h 10 min
